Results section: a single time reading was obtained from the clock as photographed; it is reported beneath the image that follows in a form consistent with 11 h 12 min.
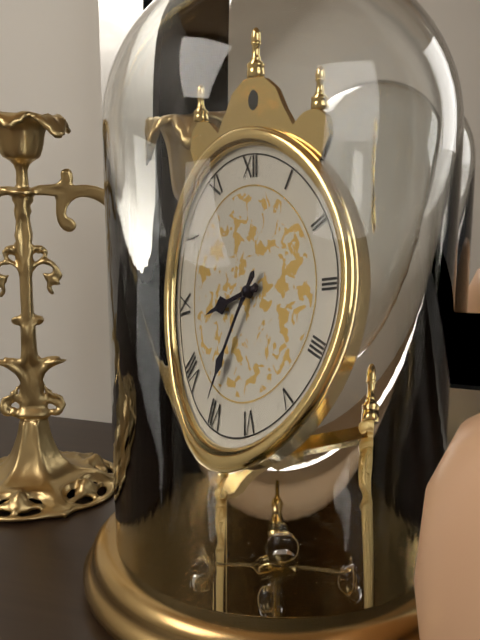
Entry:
8 h 36 min
